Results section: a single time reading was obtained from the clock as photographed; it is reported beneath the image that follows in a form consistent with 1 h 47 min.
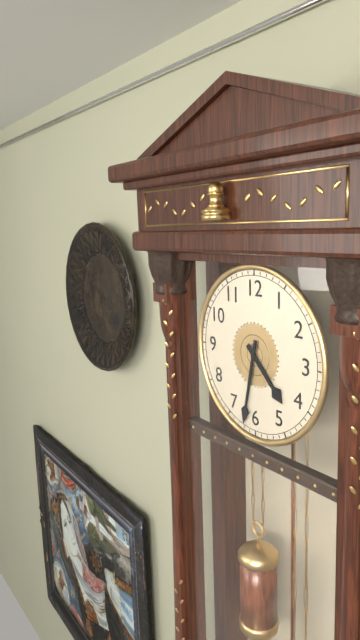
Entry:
4 h 32 min
